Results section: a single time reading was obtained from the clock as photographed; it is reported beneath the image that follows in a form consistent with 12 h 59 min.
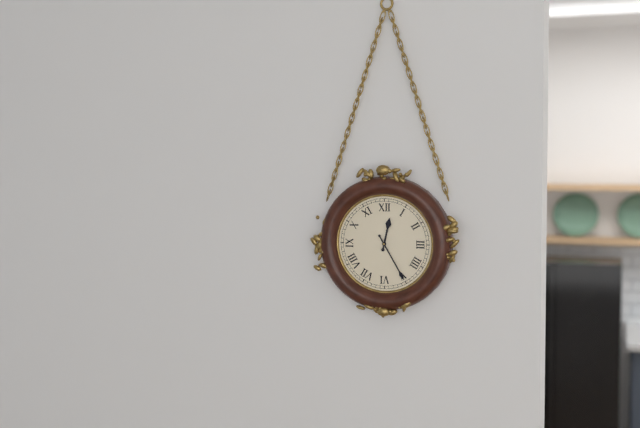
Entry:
12 h 25 min
